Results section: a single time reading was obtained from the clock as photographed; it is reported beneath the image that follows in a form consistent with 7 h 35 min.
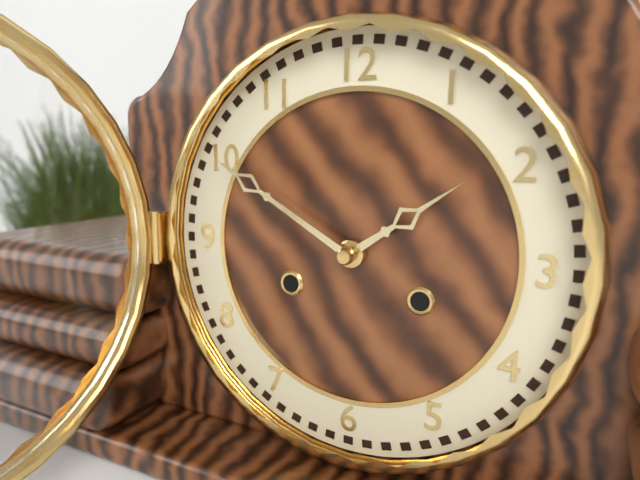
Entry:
1 h 50 min
